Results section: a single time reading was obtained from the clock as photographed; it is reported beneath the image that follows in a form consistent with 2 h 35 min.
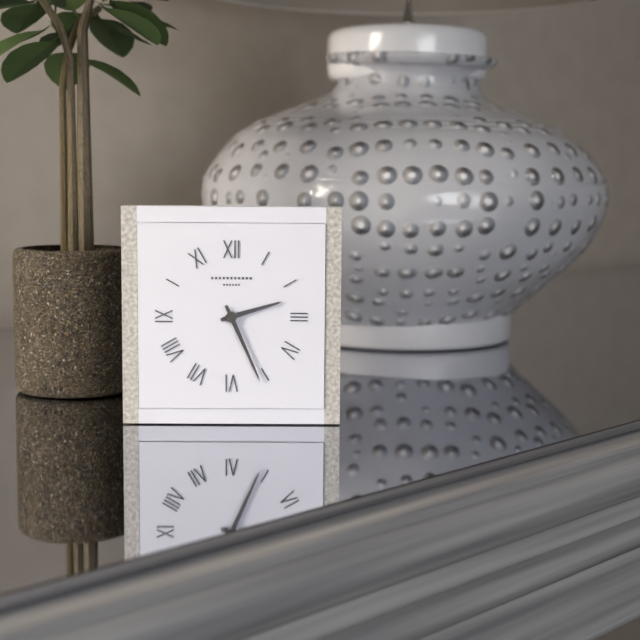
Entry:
2 h 26 min
